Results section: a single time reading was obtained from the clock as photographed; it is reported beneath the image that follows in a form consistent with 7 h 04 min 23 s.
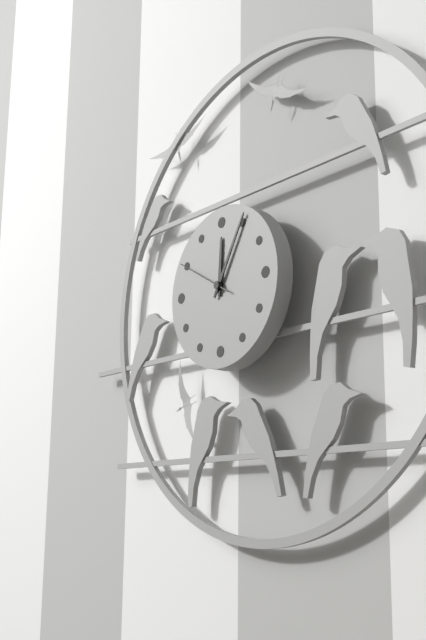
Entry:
12 h 05 min 50 s
